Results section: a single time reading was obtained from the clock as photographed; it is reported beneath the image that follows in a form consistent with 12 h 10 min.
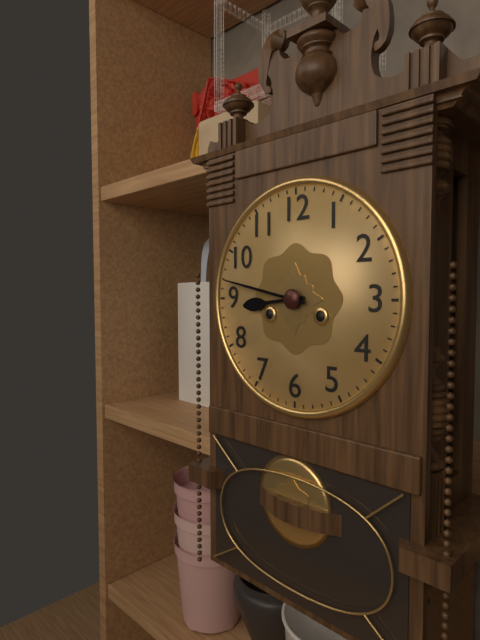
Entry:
8 h 47 min
